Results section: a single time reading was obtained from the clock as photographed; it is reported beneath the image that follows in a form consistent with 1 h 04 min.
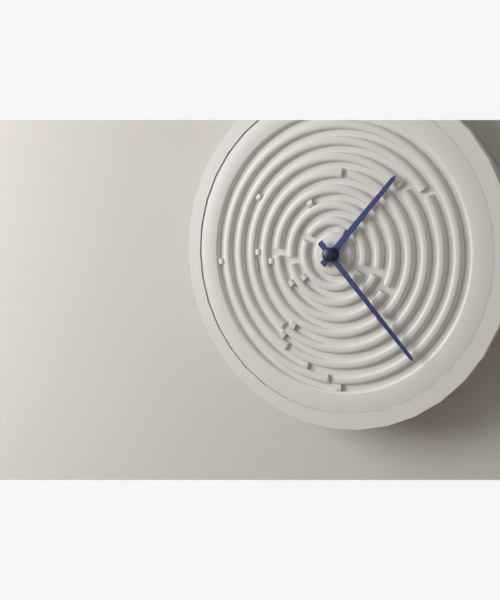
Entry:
1 h 23 min
